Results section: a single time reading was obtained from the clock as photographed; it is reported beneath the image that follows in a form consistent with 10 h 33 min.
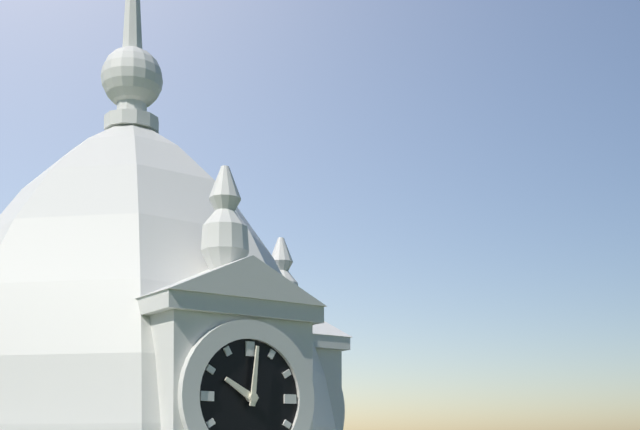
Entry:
10 h 01 min
